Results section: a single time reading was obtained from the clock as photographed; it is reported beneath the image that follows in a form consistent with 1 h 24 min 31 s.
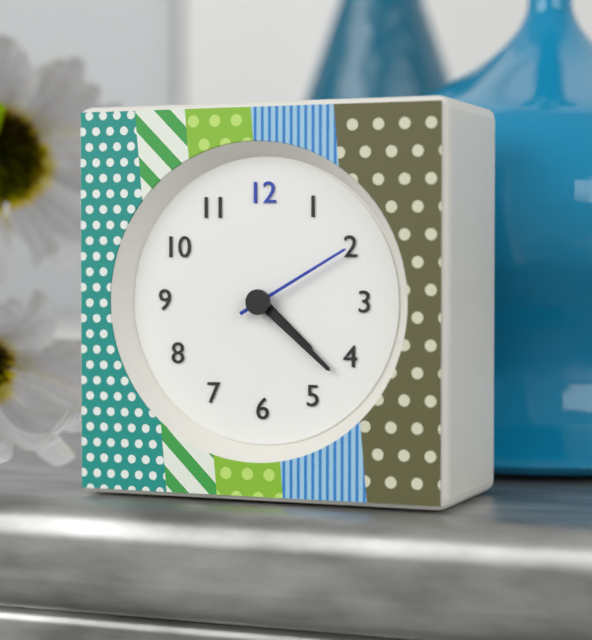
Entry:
4 h 22 min 10 s
